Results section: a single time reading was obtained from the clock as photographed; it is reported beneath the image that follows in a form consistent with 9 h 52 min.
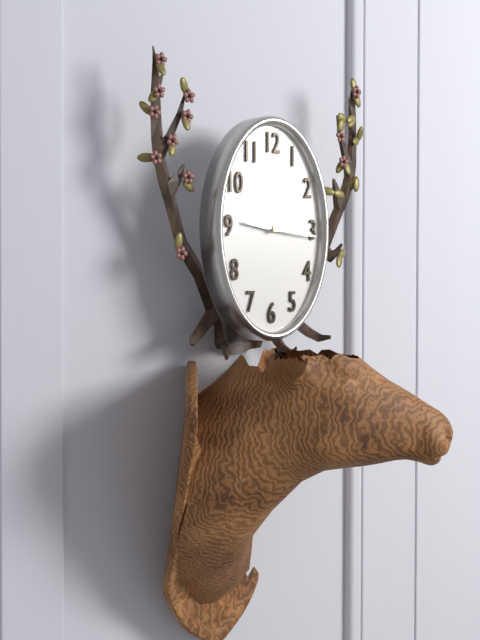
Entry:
9 h 16 min
